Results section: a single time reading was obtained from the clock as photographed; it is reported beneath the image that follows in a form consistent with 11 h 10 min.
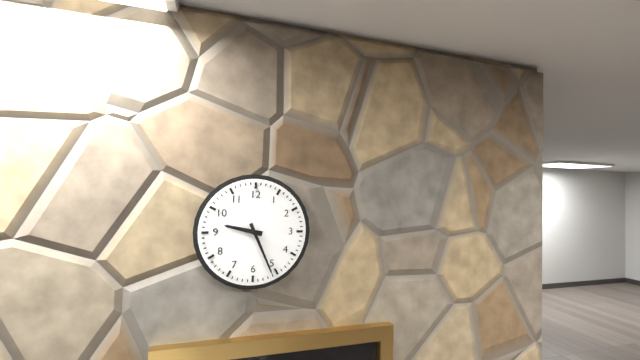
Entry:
9 h 26 min
